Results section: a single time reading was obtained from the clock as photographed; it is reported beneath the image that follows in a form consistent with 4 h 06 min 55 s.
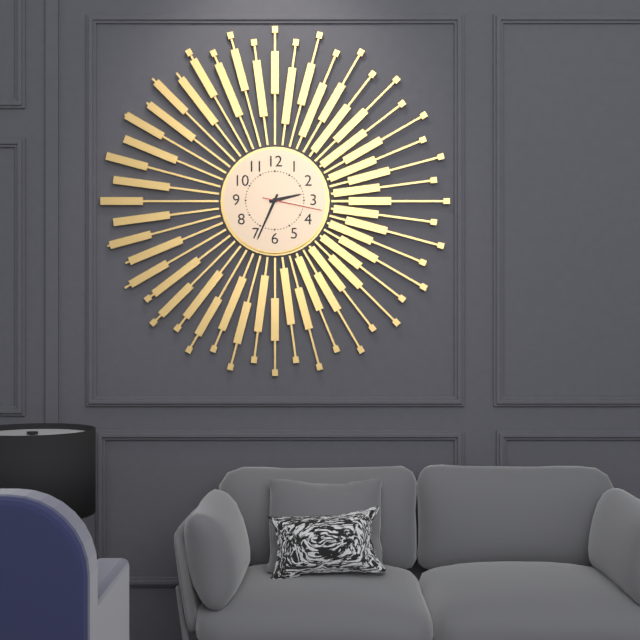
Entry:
2 h 34 min 17 s
